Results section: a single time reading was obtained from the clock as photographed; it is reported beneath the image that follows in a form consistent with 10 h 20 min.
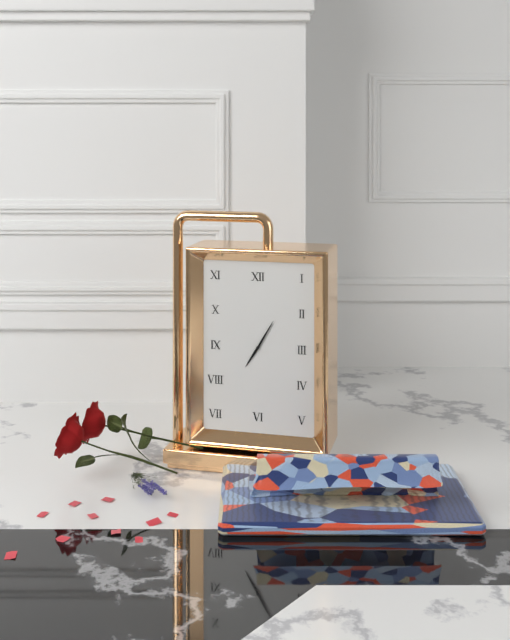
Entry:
7 h 05 min
